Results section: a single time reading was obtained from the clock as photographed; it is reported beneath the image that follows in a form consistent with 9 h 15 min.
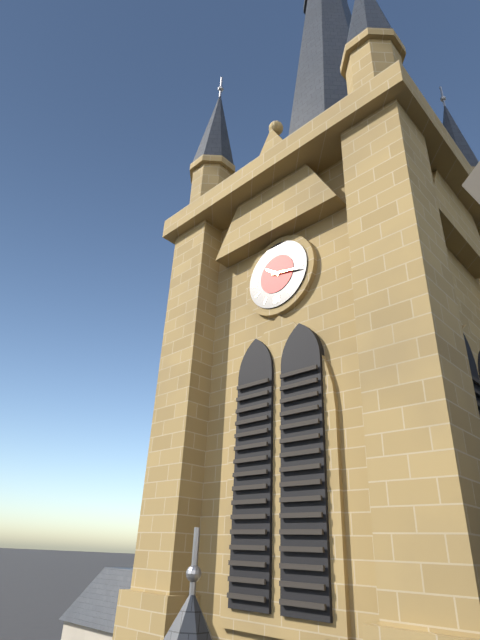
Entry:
10 h 17 min
